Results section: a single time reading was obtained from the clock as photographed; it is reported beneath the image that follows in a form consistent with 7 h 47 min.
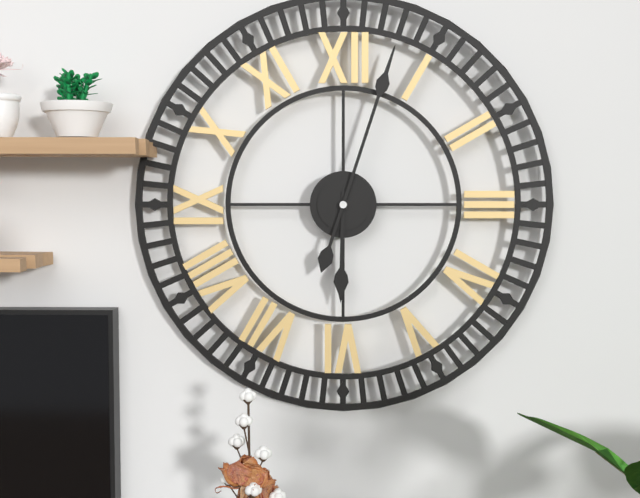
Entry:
6 h 03 min
